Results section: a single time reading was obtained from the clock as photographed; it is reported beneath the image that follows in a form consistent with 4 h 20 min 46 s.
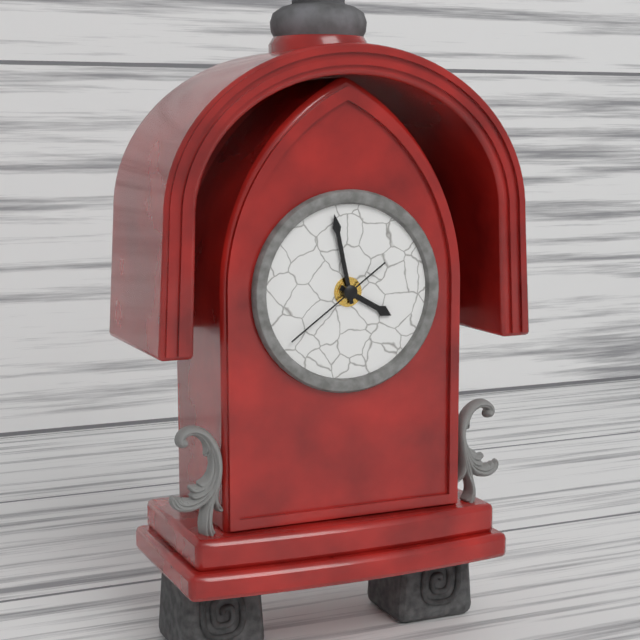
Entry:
3 h 58 min 39 s
